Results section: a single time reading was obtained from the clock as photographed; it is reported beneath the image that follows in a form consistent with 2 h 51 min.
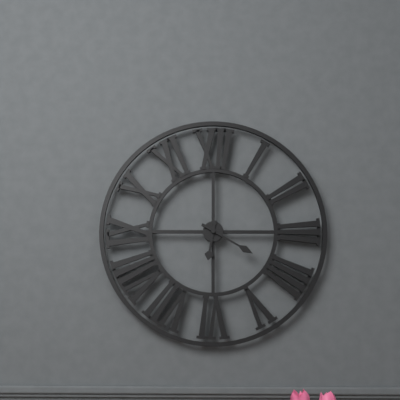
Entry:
6 h 20 min
